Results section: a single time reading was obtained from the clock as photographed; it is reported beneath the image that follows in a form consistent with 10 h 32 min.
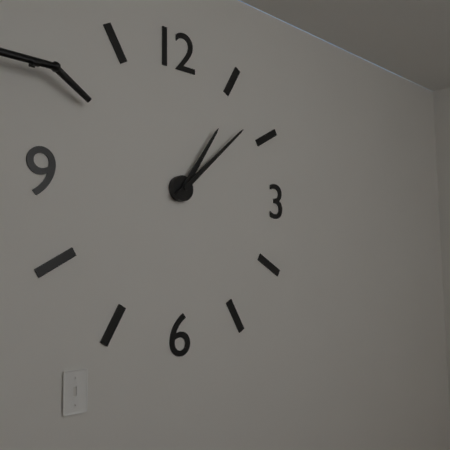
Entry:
1 h 08 min
